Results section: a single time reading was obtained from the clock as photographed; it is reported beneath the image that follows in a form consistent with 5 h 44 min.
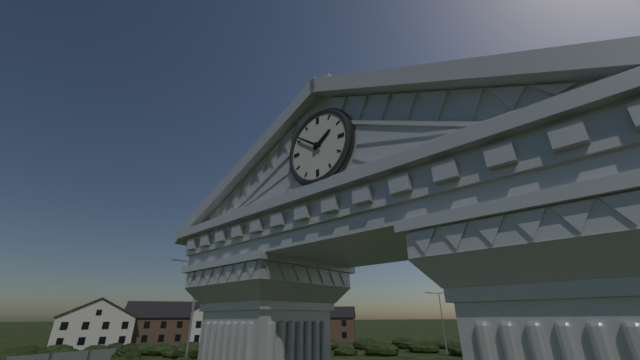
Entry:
1 h 51 min
